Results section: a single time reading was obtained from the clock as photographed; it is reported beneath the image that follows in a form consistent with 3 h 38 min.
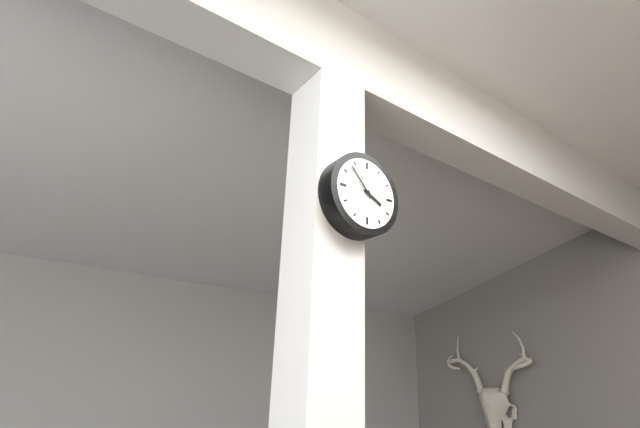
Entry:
3 h 53 min
